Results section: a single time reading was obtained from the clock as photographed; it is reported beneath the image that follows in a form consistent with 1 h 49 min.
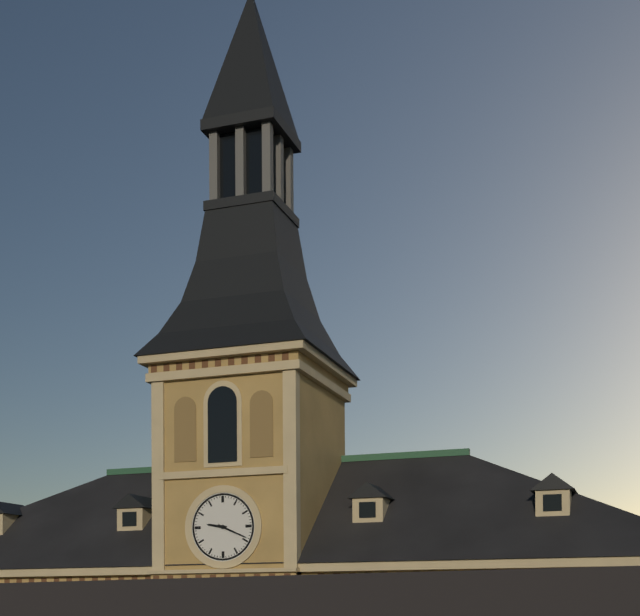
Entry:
9 h 19 min
